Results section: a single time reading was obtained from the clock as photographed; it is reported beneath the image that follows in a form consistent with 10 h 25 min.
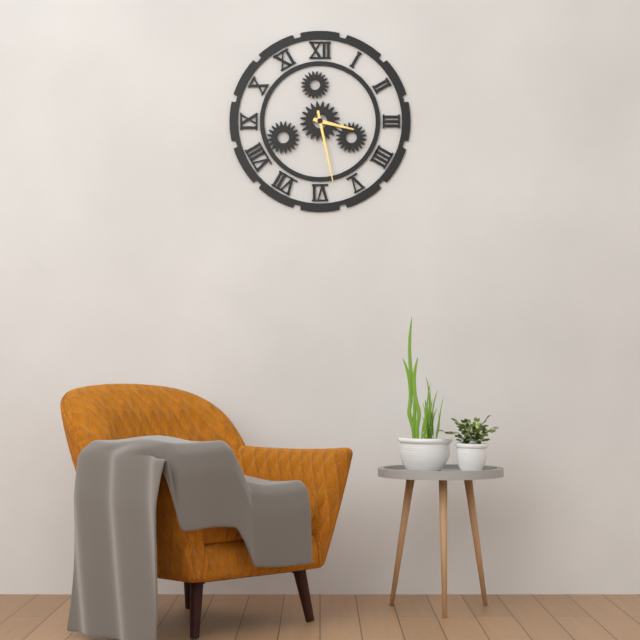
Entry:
3 h 28 min
